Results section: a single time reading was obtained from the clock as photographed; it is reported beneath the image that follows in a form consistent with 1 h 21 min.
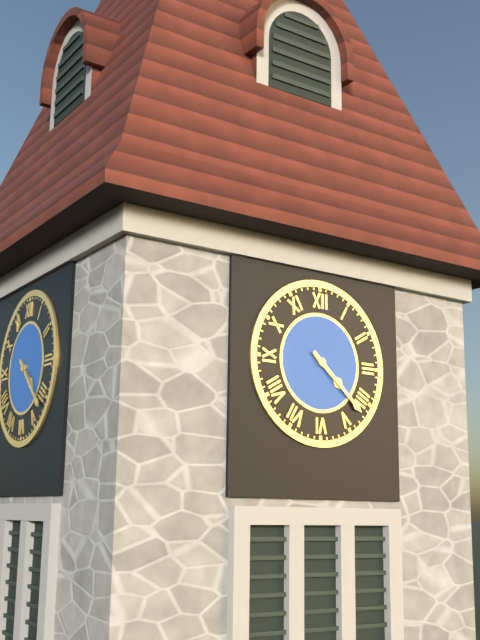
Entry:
4 h 22 min
